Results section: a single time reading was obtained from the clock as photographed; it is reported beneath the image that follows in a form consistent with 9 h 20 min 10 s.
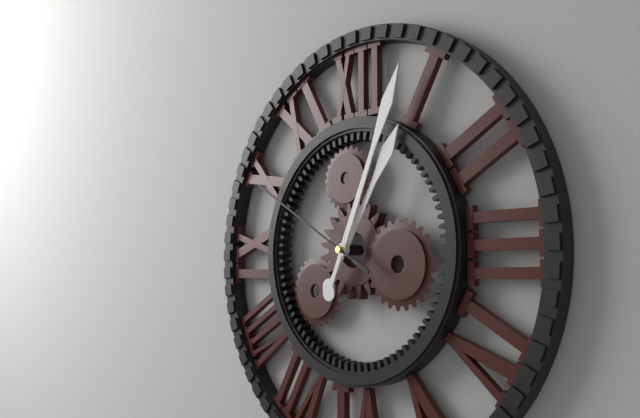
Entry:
1 h 04 min 50 s
